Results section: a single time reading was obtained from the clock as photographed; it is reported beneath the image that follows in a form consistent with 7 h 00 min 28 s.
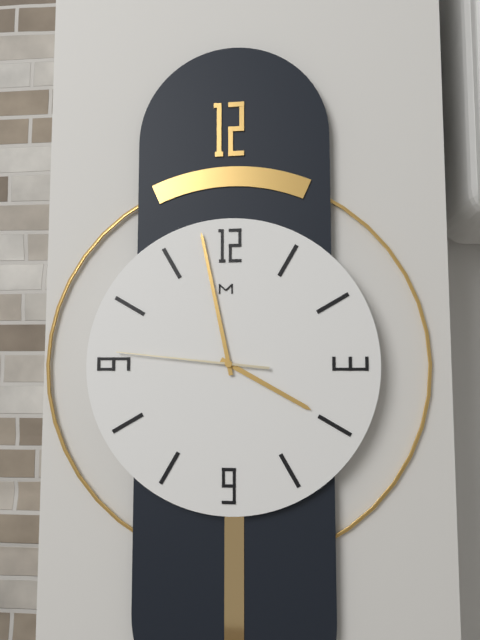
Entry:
3 h 58 min 46 s
